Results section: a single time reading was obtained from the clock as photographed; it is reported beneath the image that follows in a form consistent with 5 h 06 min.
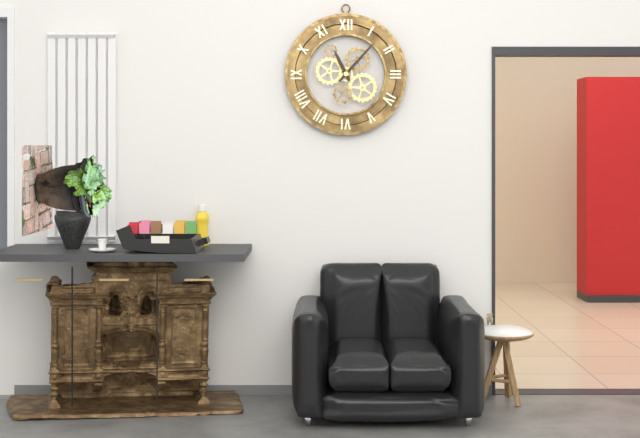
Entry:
11 h 07 min
